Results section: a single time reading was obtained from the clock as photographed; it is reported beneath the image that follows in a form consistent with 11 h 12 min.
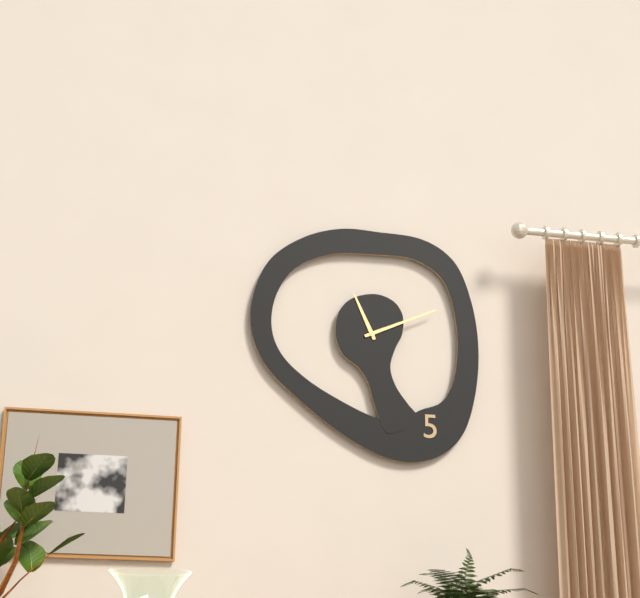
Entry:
11 h 11 min
